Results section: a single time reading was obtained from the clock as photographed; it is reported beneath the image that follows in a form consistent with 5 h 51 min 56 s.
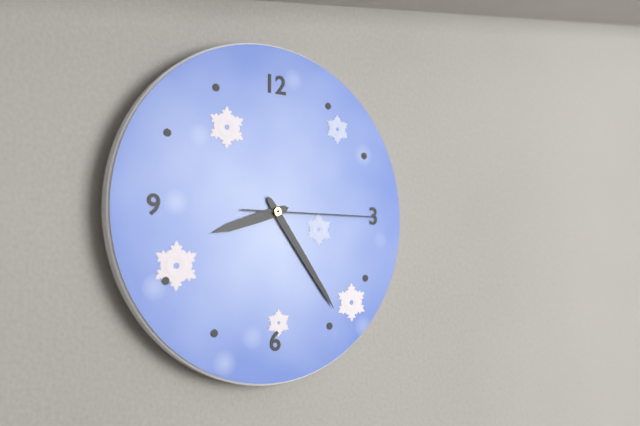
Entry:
8 h 24 min 15 s
